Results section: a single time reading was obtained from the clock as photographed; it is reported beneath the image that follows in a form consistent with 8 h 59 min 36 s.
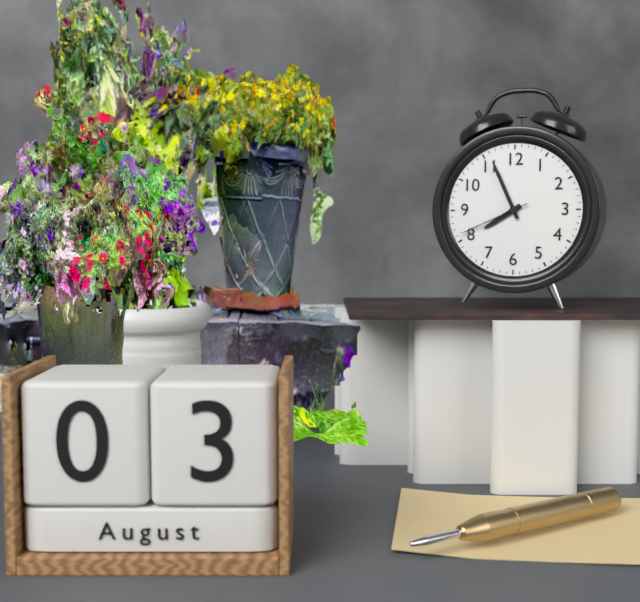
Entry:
7 h 56 min 41 s
